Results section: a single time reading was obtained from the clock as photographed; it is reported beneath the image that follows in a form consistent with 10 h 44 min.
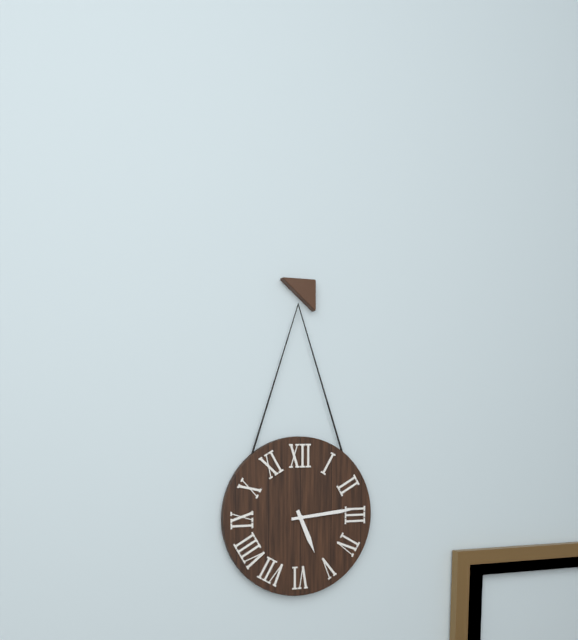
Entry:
5 h 14 min
